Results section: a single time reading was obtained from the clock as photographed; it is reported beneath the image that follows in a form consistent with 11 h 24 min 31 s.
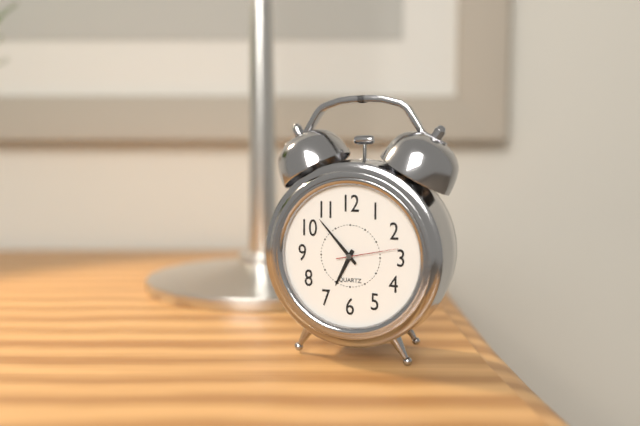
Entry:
6 h 53 min 13 s
